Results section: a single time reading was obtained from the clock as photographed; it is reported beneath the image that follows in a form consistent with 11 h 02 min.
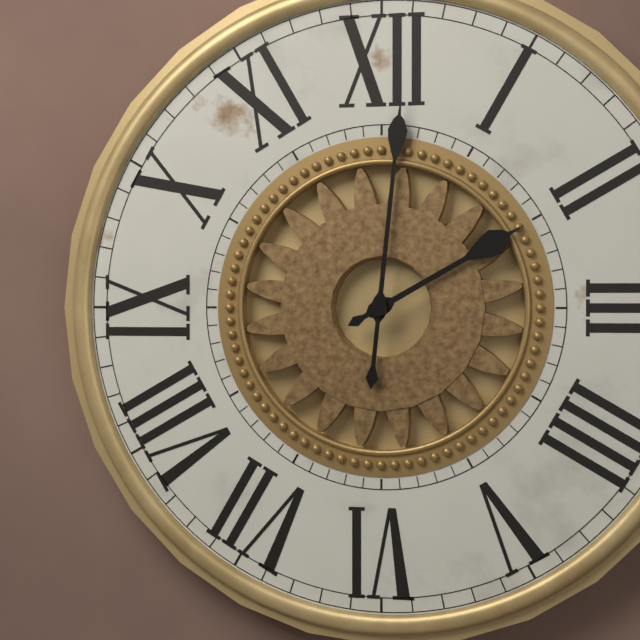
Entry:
2 h 01 min
